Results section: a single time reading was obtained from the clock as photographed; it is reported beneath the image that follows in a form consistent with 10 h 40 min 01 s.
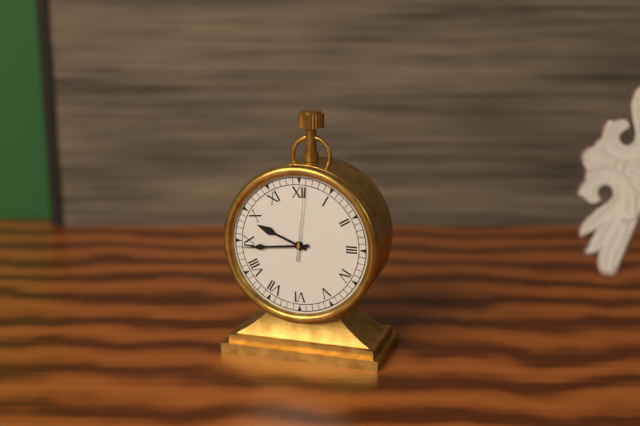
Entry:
9 h 44 min 01 s
